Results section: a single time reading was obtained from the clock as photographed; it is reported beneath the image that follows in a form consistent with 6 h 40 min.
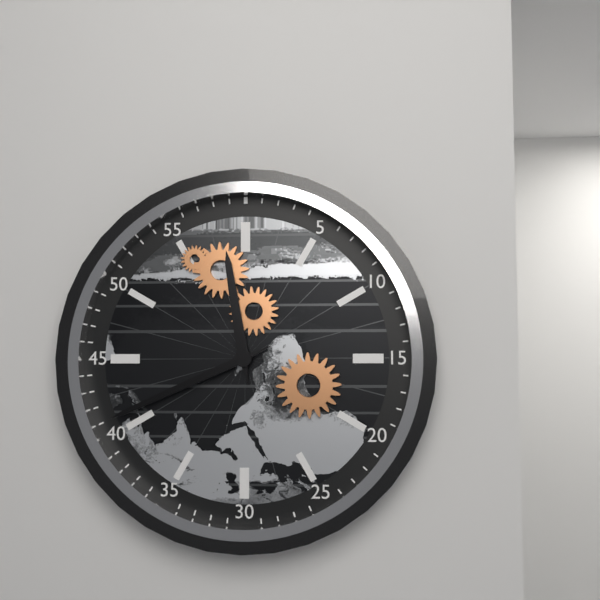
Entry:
11 h 41 min
